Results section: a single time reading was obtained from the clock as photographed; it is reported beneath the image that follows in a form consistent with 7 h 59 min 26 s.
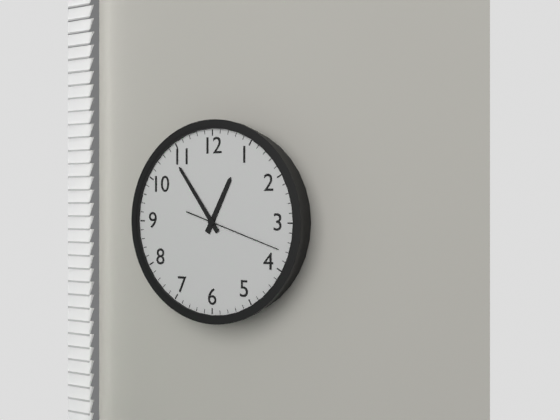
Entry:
12 h 54 min 18 s
